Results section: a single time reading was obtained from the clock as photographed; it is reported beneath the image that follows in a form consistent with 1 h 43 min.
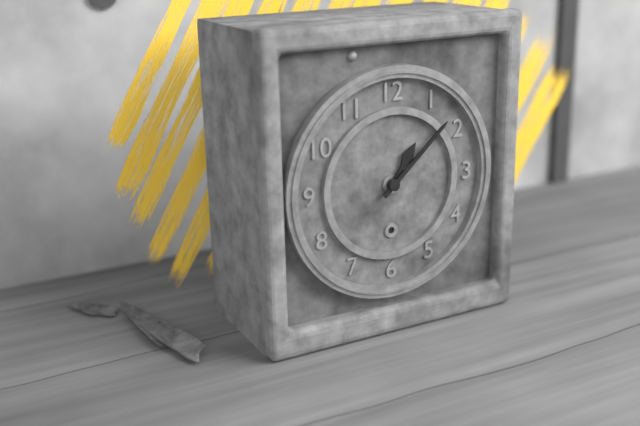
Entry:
1 h 08 min
